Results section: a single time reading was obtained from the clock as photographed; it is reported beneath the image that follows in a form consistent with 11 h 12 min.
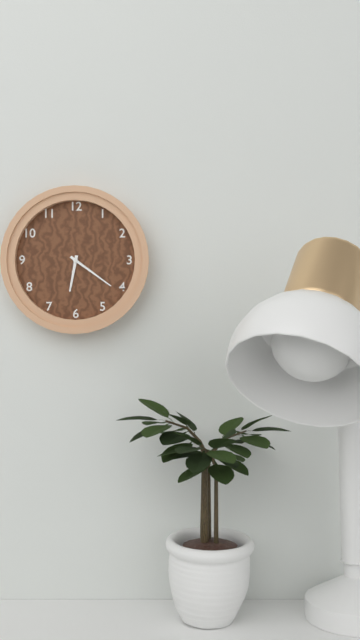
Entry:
6 h 21 min
